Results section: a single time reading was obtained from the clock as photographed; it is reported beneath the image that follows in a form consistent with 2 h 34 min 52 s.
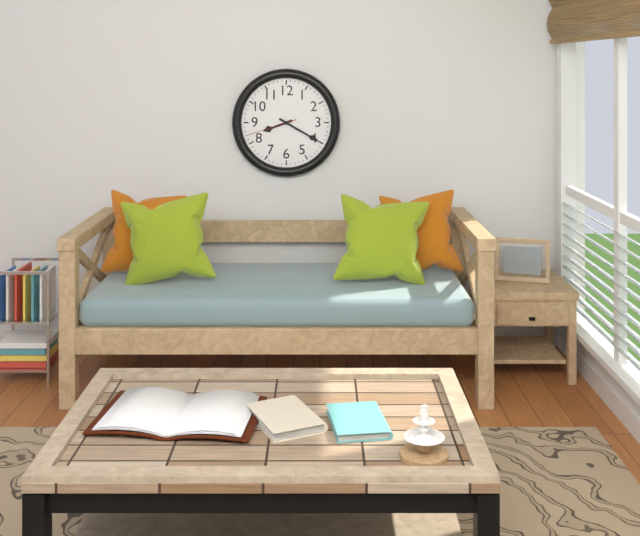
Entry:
8 h 20 min 42 s
